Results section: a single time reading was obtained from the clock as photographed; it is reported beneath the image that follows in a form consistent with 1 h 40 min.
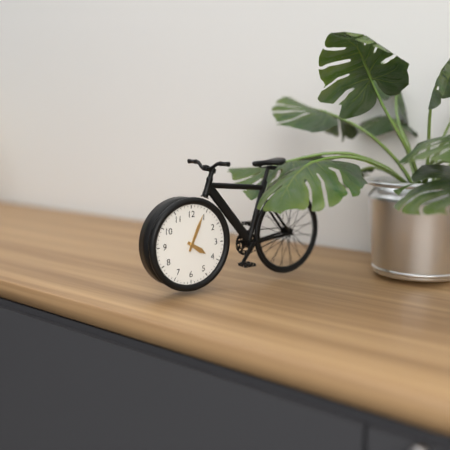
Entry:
4 h 04 min
